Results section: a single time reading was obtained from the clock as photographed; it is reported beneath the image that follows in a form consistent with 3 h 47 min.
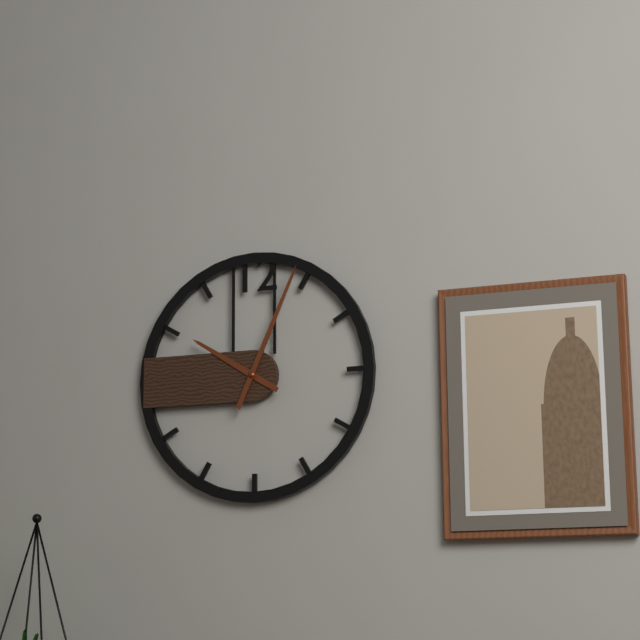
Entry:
10 h 04 min
